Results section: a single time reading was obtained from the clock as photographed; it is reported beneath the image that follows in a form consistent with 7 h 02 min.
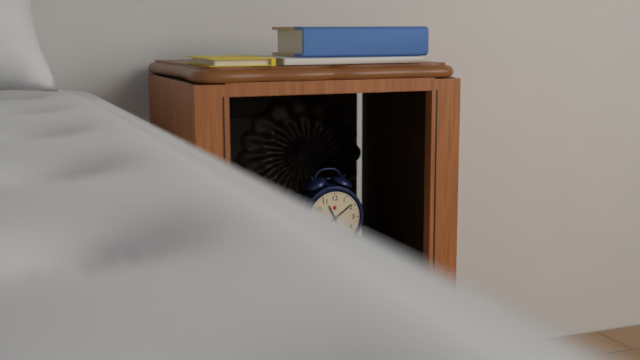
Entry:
11 h 09 min
